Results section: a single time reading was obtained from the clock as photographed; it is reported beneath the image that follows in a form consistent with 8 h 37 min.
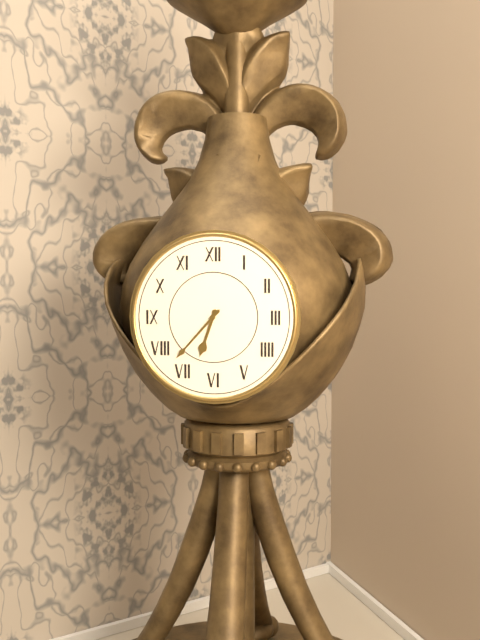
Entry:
6 h 37 min
